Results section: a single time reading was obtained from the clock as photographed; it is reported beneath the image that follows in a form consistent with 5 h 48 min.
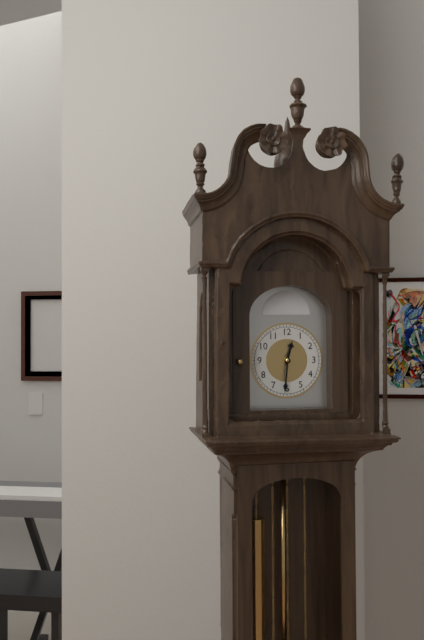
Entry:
12 h 31 min
